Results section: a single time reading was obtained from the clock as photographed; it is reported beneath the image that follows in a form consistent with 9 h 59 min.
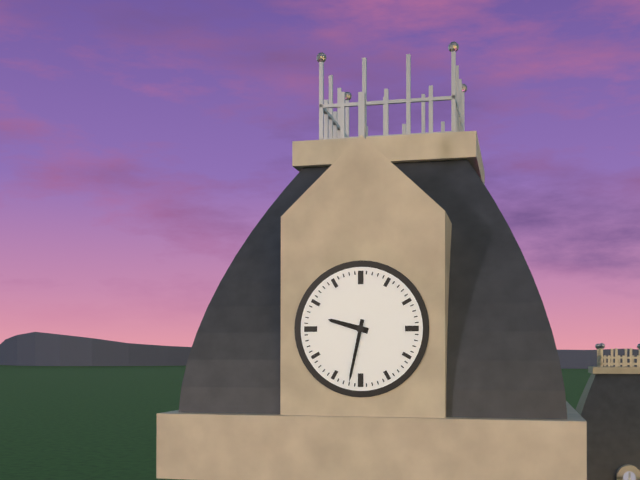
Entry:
9 h 32 min
